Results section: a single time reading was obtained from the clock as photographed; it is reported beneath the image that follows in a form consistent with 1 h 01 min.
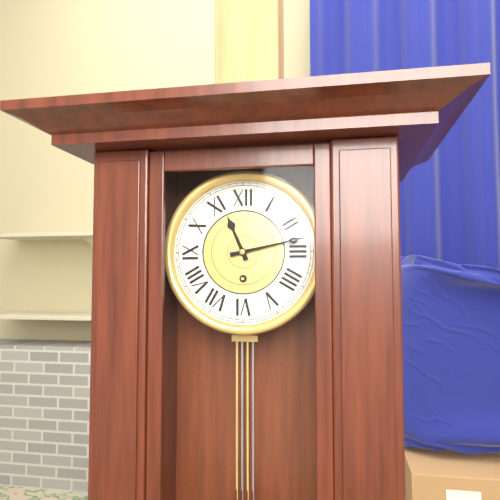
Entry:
11 h 13 min
